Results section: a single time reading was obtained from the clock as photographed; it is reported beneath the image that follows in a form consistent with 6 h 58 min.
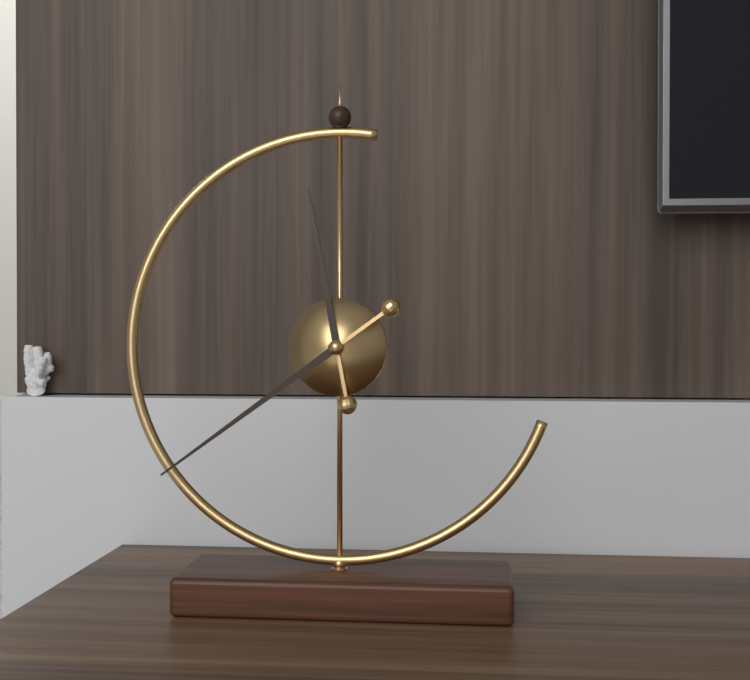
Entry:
11 h 39 min
